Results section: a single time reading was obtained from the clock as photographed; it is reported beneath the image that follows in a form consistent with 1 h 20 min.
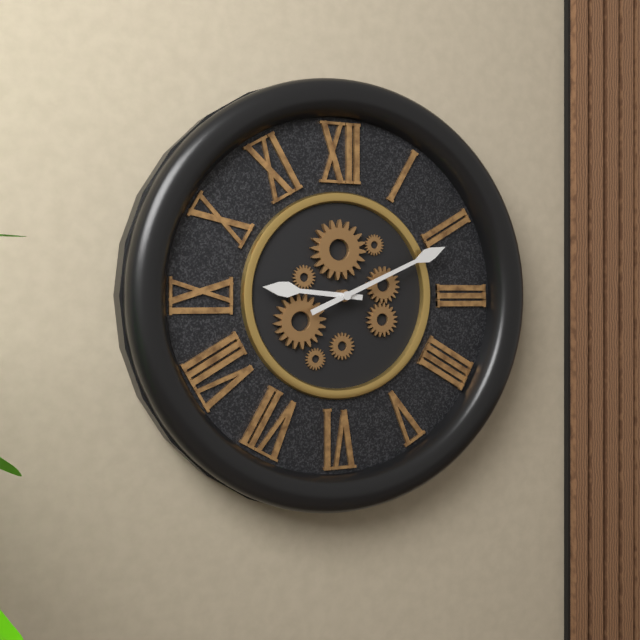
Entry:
9 h 11 min
